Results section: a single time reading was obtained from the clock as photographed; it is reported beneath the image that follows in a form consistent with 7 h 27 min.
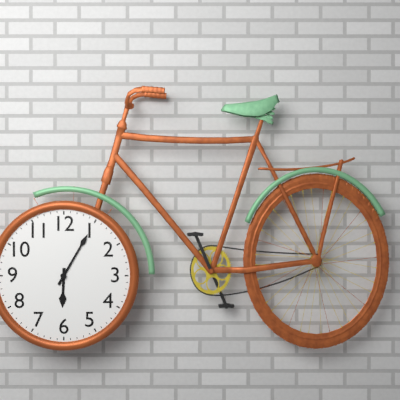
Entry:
6 h 05 min
